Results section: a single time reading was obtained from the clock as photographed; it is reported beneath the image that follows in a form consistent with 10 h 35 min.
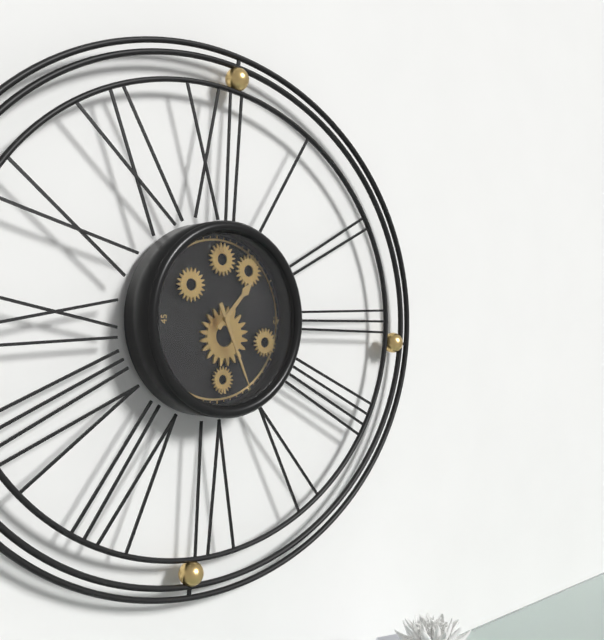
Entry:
1 h 26 min
